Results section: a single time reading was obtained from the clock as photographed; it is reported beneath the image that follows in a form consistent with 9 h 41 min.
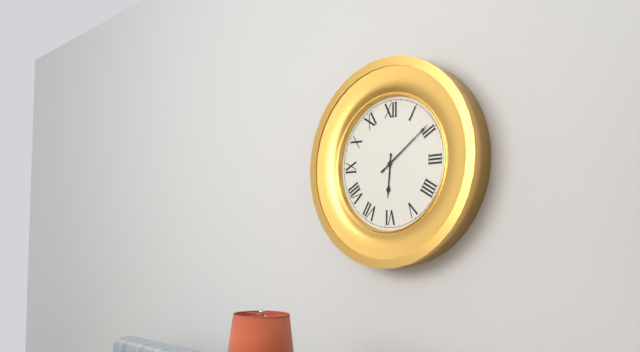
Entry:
6 h 09 min
